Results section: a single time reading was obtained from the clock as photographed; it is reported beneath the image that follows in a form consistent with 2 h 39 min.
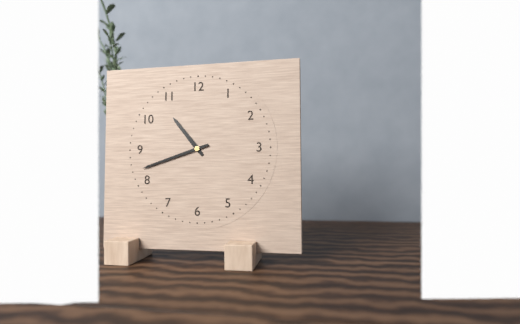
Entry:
10 h 42 min
